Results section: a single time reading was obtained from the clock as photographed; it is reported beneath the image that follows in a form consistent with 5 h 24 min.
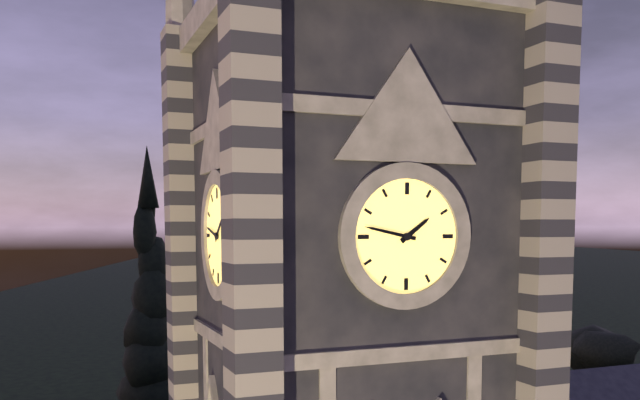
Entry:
1 h 47 min
